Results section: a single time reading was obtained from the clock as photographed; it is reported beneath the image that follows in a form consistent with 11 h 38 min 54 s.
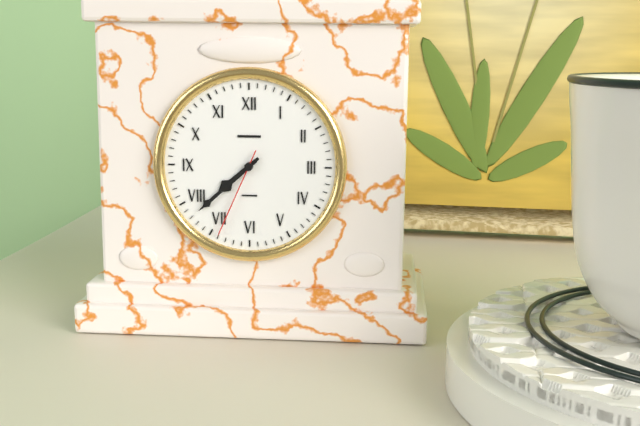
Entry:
7 h 38 min 34 s
